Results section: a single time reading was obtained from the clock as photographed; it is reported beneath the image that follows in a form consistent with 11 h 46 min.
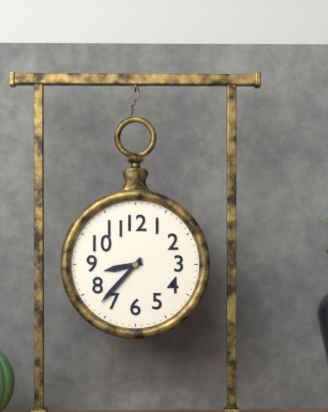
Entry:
8 h 37 min
